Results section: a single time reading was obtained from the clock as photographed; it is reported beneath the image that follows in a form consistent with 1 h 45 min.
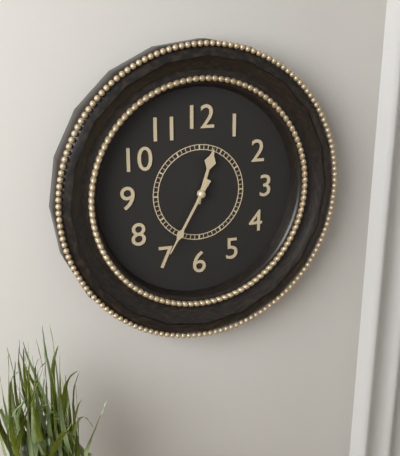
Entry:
12 h 35 min
